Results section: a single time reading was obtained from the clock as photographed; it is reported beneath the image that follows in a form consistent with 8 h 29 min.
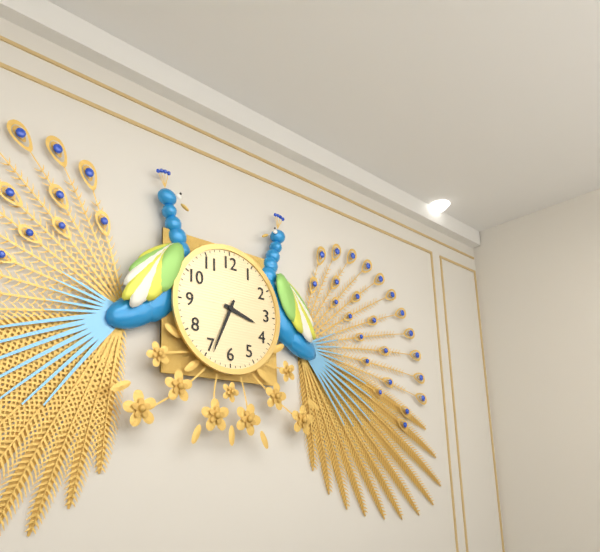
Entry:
3 h 34 min
